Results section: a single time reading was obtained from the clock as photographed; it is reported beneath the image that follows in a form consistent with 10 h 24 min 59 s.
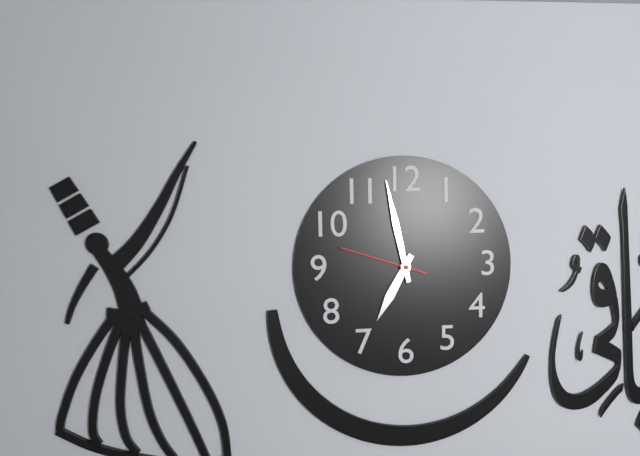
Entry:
6 h 58 min 48 s
